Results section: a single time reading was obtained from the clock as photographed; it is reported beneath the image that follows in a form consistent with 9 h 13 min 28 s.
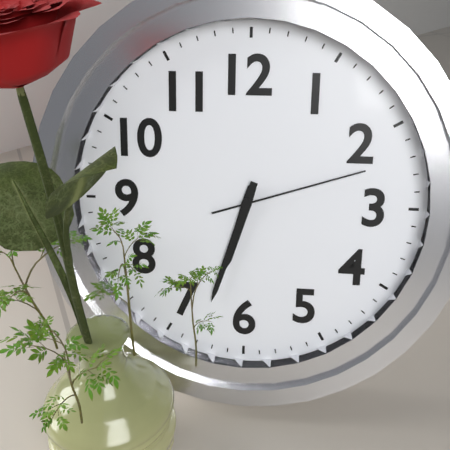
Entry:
6 h 33 min 12 s
